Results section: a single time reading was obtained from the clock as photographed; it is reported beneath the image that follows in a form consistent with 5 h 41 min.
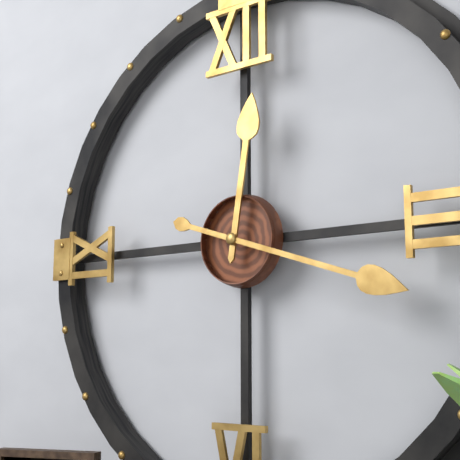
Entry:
12 h 18 min
